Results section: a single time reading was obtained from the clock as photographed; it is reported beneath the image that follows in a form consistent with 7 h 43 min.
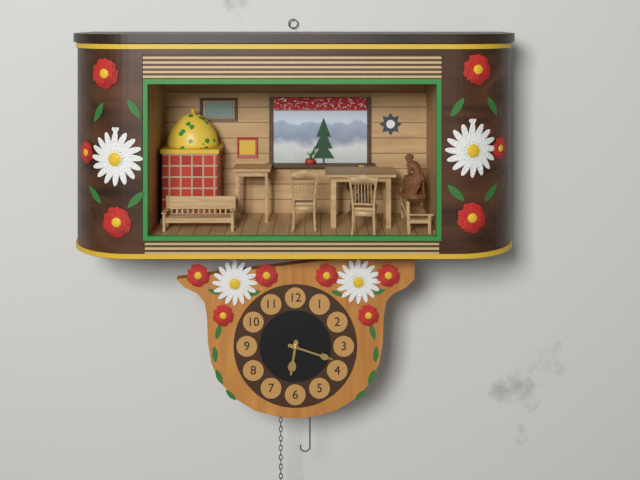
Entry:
6 h 18 min
